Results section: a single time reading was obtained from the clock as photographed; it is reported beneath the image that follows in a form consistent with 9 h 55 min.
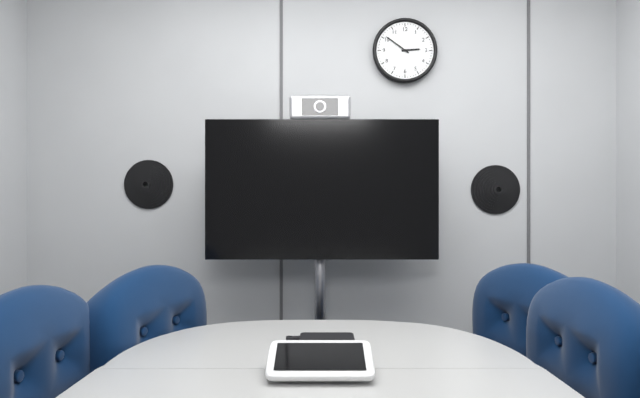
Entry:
2 h 51 min
